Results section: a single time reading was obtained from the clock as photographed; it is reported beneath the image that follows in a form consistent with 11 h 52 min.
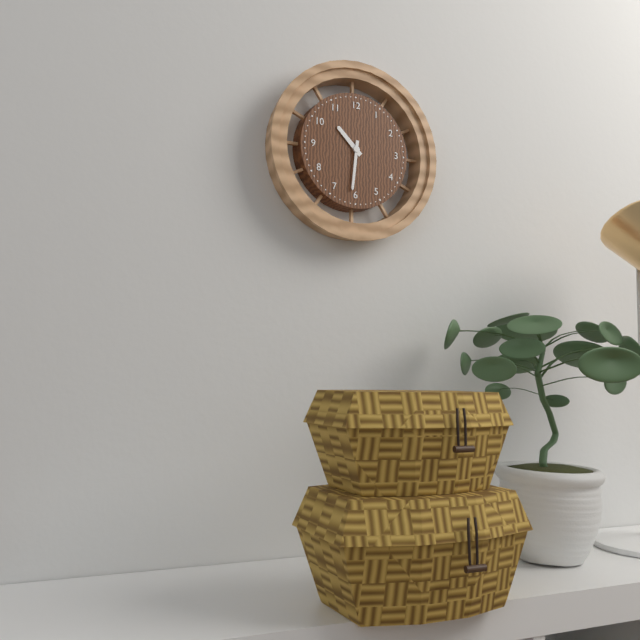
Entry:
10 h 31 min
